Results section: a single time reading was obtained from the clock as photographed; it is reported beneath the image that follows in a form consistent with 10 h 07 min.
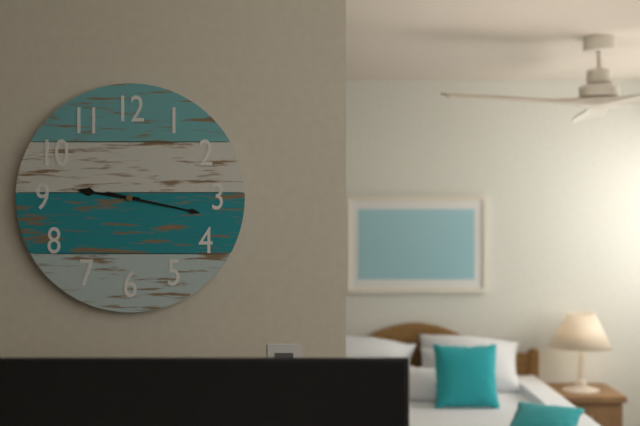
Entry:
9 h 17 min
